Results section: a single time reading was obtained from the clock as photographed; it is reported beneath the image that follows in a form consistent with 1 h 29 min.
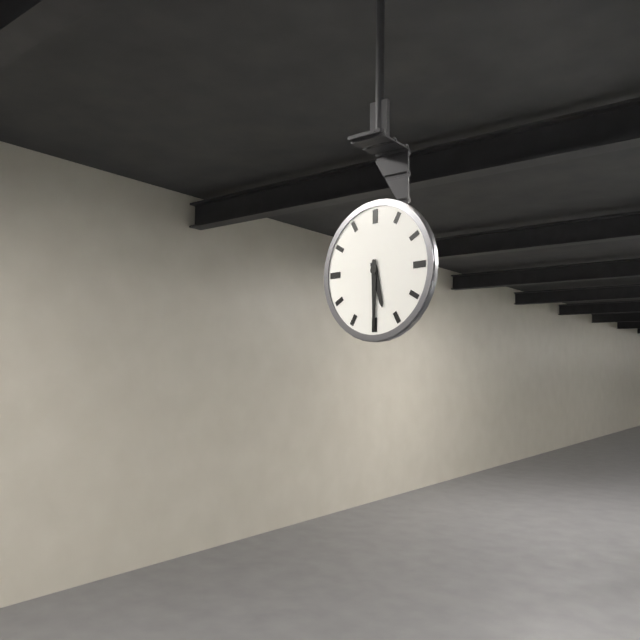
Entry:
5 h 30 min
